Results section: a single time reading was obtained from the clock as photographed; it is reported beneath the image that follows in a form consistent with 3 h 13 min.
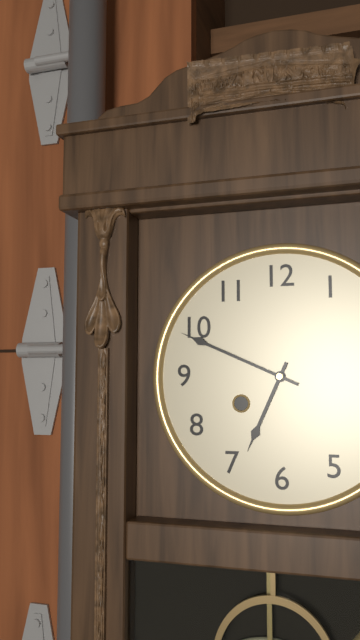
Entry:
6 h 49 min
